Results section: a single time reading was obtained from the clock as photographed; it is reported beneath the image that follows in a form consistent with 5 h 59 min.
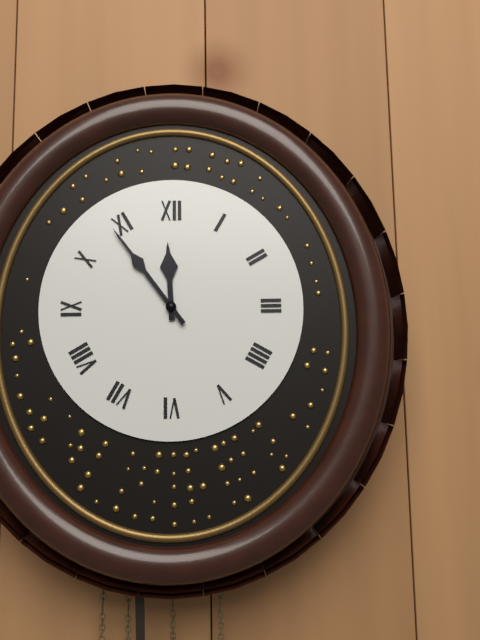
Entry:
11 h 54 min
